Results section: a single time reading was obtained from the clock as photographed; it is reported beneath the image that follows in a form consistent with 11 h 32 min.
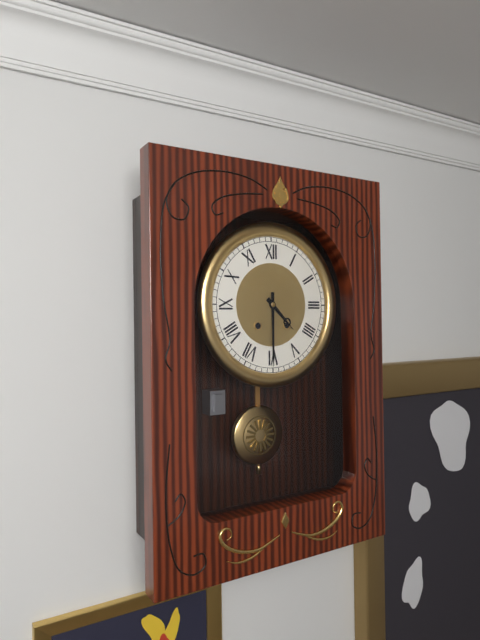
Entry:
4 h 30 min
